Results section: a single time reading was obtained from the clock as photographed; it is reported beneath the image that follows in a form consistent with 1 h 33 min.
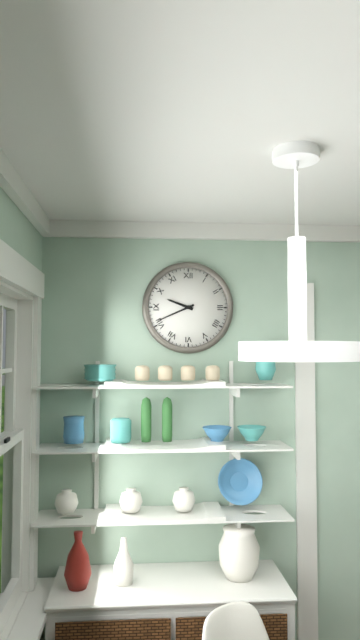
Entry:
9 h 41 min
